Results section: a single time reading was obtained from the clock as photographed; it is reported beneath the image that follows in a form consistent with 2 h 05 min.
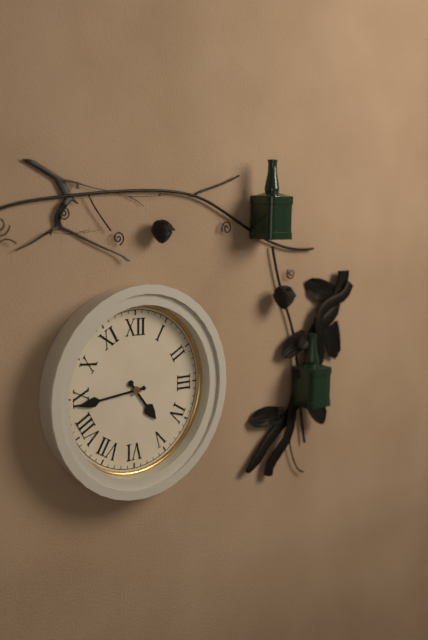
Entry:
4 h 44 min
